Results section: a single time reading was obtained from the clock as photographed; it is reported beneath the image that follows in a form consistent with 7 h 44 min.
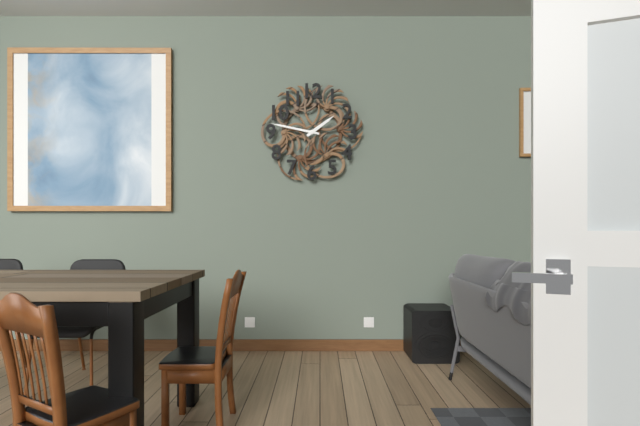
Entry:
1 h 47 min
